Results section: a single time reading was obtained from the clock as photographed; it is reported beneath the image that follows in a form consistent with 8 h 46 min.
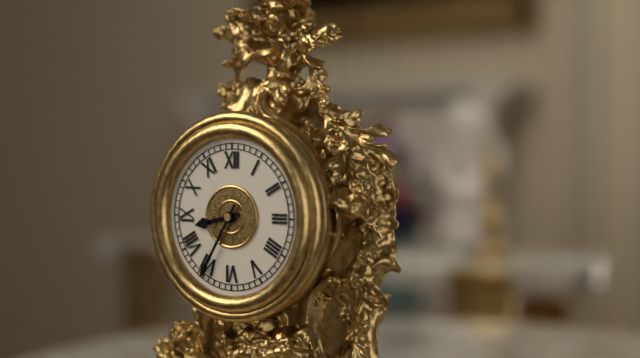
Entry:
8 h 35 min
